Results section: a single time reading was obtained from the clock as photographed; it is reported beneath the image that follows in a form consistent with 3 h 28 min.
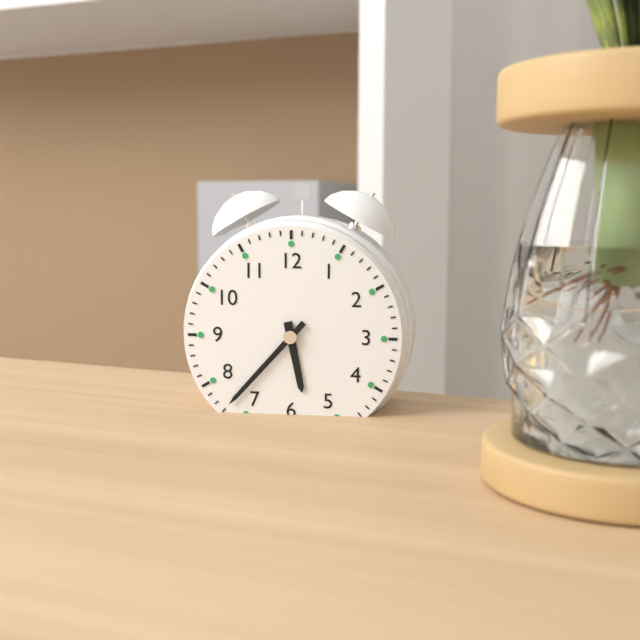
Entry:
5 h 37 min
